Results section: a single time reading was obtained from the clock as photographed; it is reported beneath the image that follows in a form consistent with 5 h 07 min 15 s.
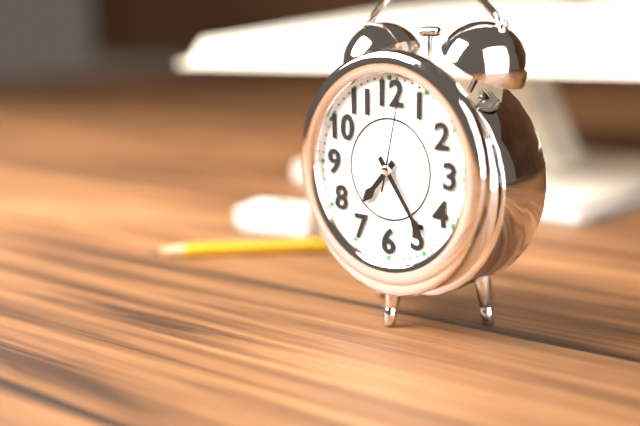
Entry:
7 h 24 min 02 s
